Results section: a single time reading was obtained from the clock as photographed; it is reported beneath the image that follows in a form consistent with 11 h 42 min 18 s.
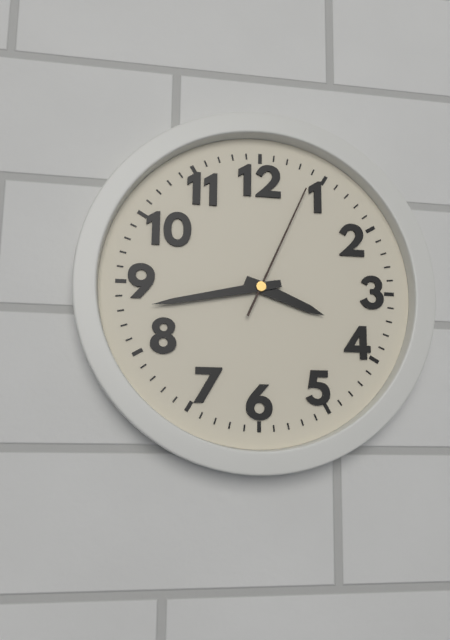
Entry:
3 h 43 min 04 s
